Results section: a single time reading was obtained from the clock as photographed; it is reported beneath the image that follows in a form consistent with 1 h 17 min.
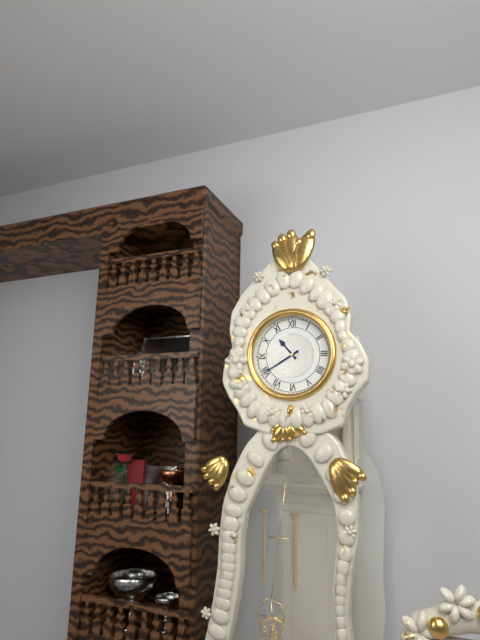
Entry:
10 h 40 min
